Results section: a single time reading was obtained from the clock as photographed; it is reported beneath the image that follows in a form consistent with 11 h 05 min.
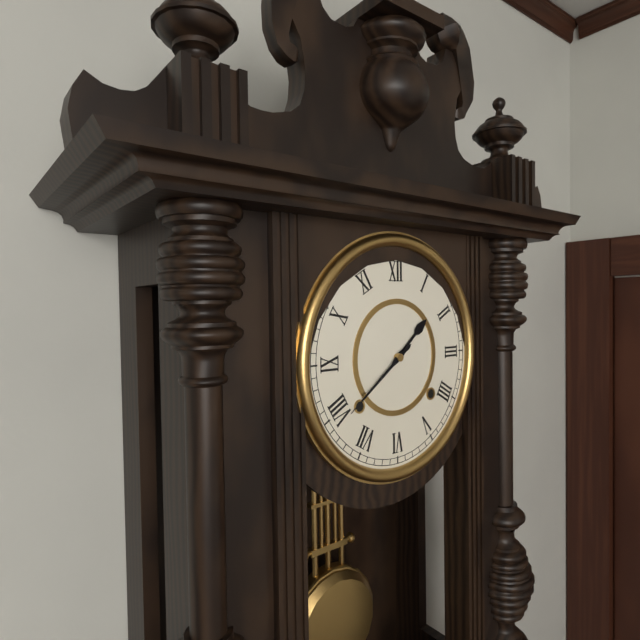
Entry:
1 h 39 min
